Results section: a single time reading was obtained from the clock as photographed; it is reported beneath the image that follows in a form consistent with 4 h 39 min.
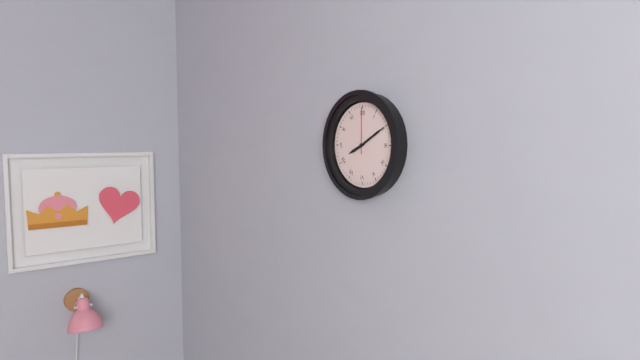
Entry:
8 h 10 min
